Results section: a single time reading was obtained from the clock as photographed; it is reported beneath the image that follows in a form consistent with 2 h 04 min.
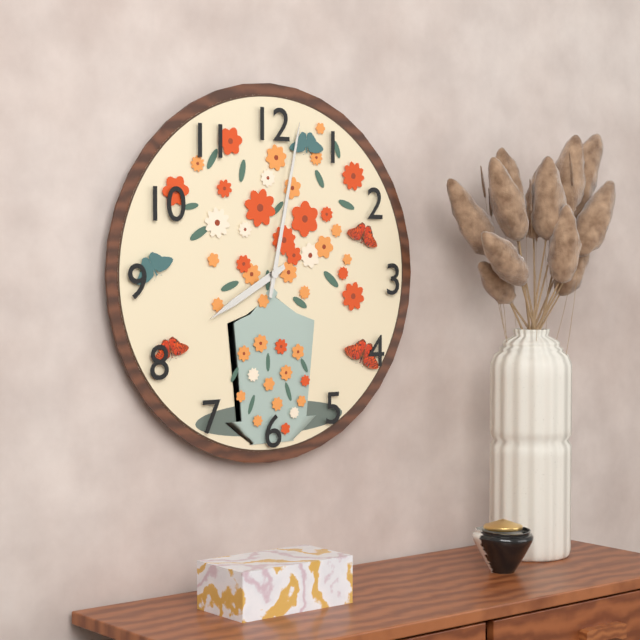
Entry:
8 h 02 min
